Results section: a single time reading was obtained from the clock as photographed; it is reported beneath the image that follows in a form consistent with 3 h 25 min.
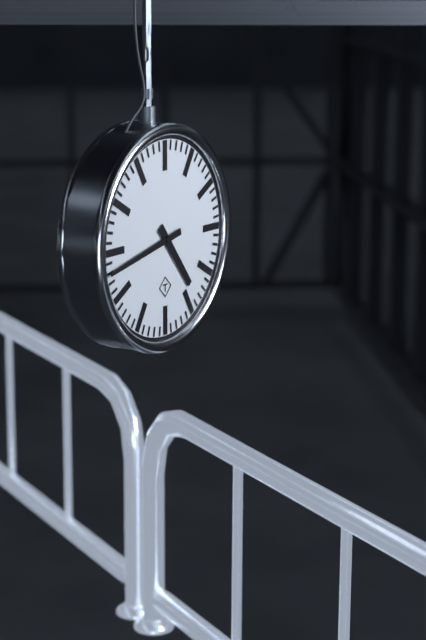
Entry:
4 h 43 min
